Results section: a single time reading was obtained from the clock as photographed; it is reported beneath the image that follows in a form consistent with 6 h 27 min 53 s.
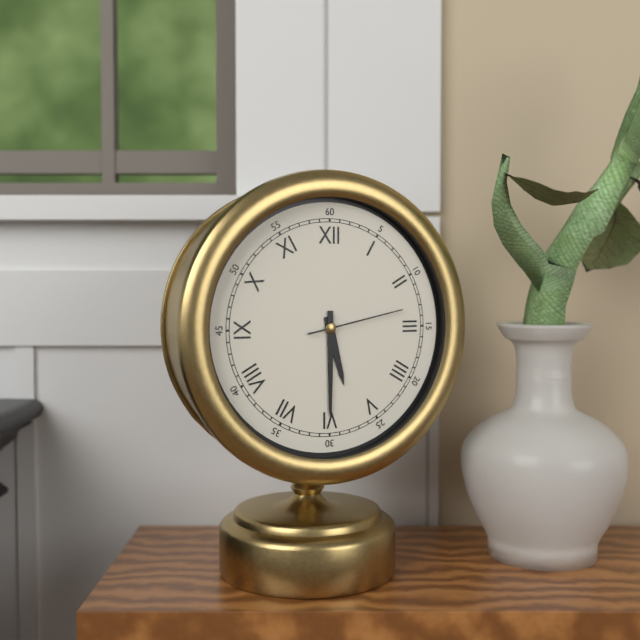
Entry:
5 h 30 min 13 s
